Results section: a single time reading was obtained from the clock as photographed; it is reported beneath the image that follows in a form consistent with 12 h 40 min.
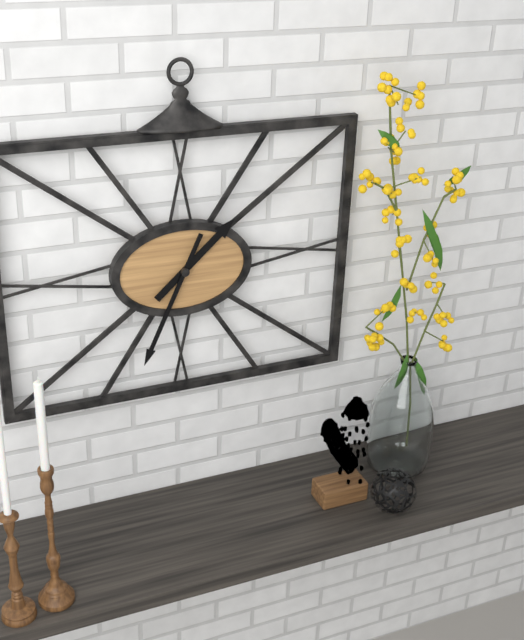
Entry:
1 h 34 min
